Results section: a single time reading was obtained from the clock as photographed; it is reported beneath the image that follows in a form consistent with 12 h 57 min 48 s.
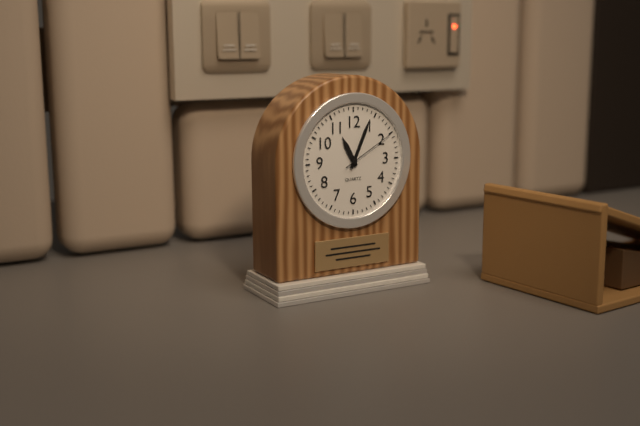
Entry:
11 h 04 min 10 s
